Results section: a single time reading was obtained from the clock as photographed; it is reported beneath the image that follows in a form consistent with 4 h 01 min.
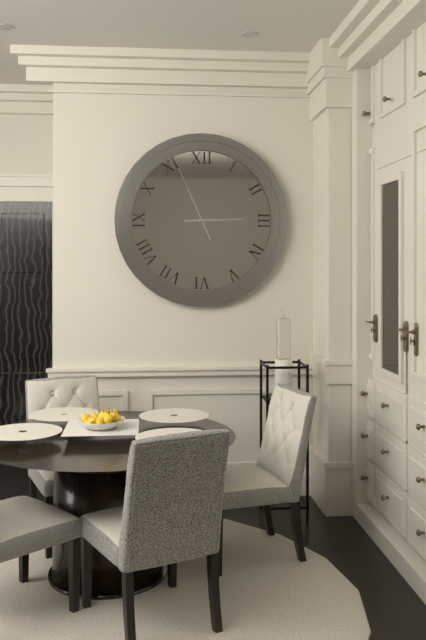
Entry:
2 h 56 min
